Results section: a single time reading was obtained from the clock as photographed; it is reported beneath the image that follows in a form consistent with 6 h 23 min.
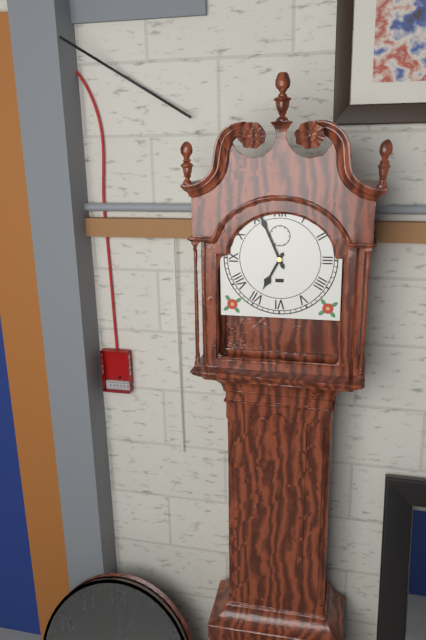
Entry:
6 h 56 min
